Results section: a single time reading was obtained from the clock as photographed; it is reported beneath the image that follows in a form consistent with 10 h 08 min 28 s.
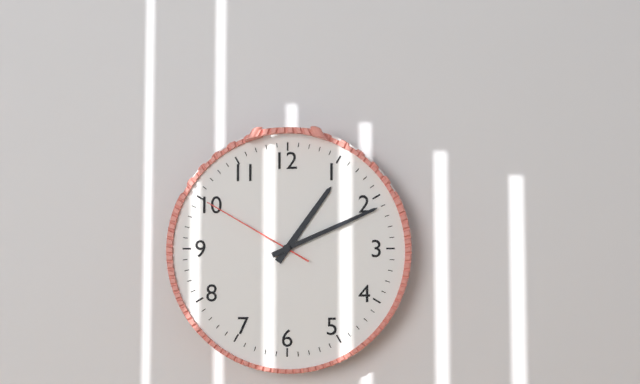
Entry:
1 h 11 min 50 s
